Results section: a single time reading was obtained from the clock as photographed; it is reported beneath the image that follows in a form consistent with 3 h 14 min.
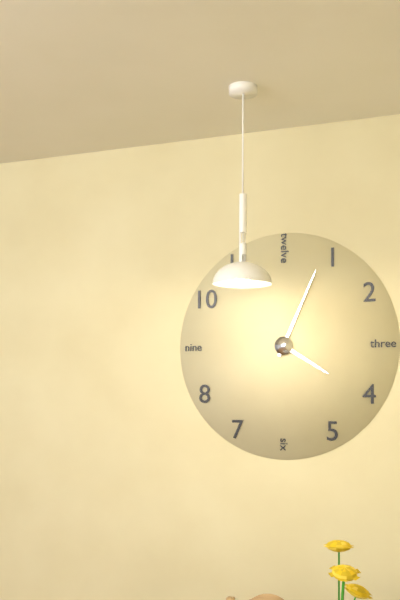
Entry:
4 h 04 min
